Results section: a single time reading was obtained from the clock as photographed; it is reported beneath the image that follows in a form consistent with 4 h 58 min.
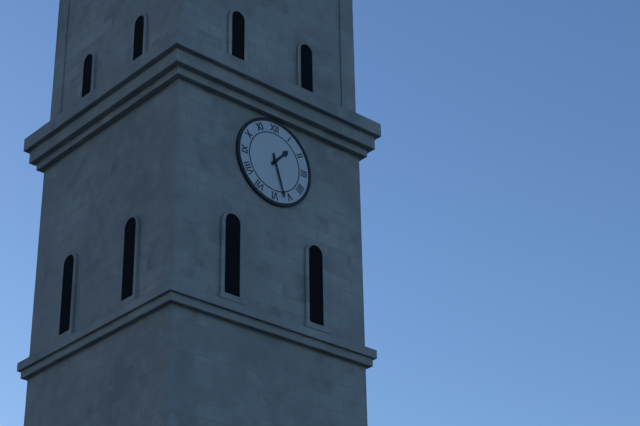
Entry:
1 h 27 min
